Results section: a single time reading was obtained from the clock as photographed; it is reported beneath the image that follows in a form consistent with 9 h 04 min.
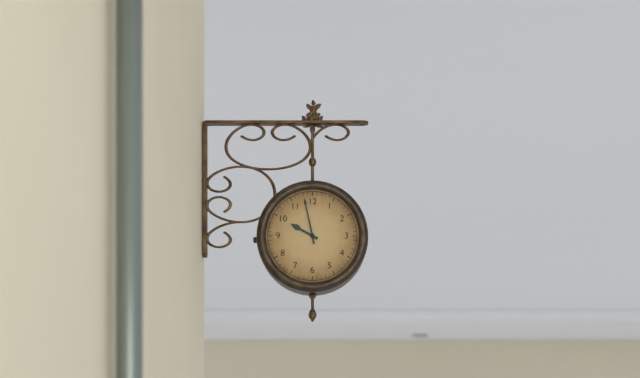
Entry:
9 h 58 min
